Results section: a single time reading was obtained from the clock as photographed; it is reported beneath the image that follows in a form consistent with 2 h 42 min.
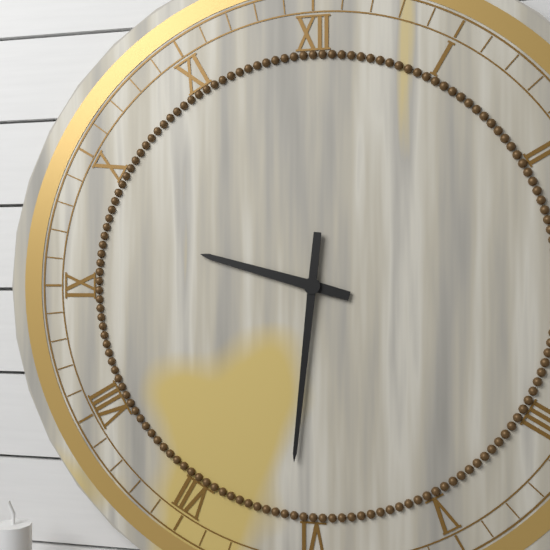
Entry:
9 h 31 min
